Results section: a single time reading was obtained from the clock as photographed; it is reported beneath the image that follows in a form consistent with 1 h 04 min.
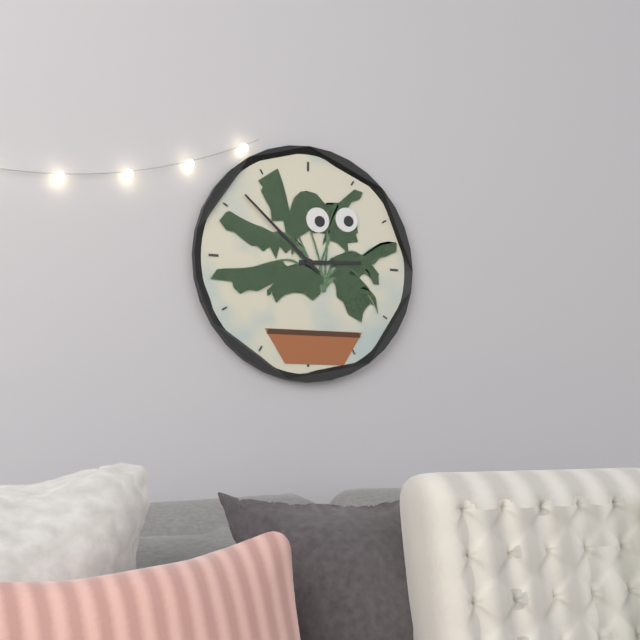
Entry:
2 h 52 min
